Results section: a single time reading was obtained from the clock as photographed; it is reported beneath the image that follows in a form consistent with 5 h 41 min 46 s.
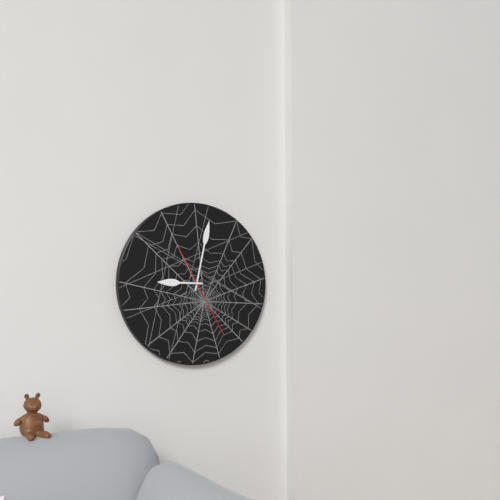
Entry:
9 h 02 min 25 s
